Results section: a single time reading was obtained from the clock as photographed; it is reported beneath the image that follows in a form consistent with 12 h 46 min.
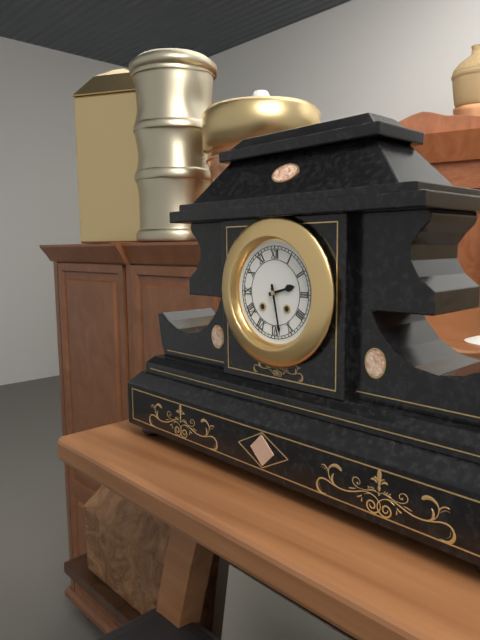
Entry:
2 h 28 min
